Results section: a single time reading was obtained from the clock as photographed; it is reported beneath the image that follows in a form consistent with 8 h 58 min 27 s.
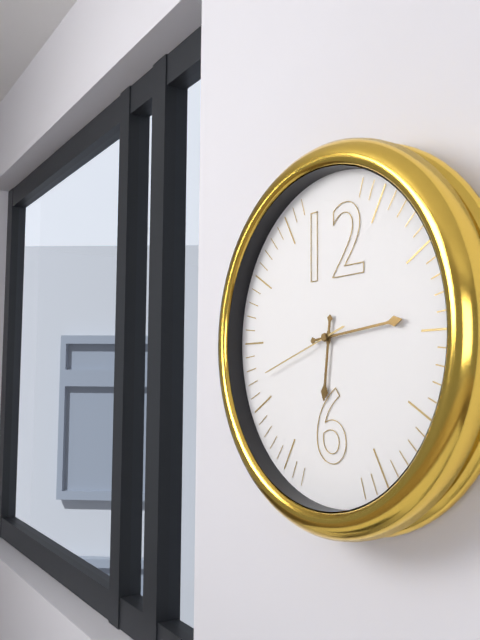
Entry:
6 h 14 min 42 s
